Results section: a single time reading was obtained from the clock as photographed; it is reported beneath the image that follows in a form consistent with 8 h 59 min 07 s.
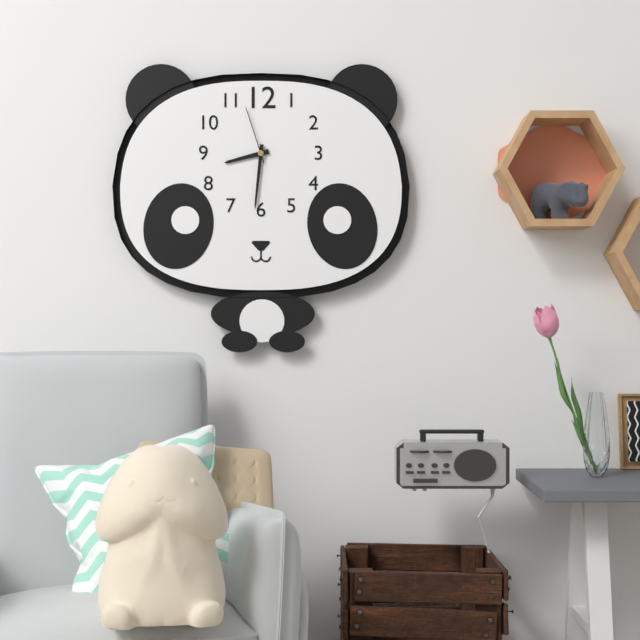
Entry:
8 h 31 min 57 s
